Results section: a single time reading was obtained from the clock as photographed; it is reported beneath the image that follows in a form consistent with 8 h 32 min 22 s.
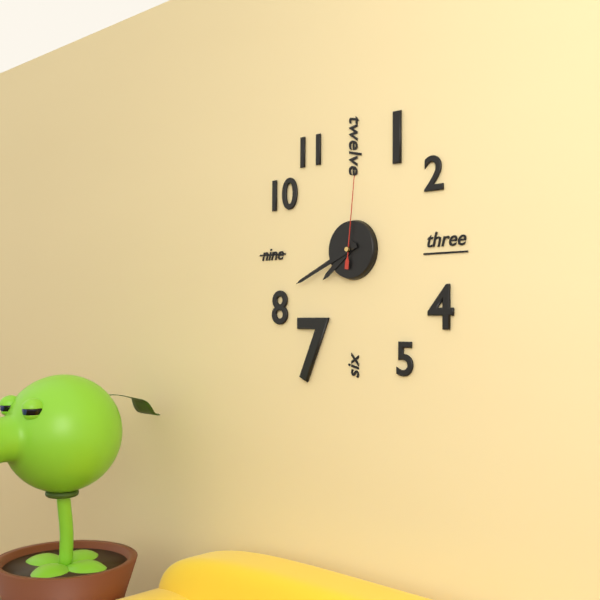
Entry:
7 h 41 min 01 s
